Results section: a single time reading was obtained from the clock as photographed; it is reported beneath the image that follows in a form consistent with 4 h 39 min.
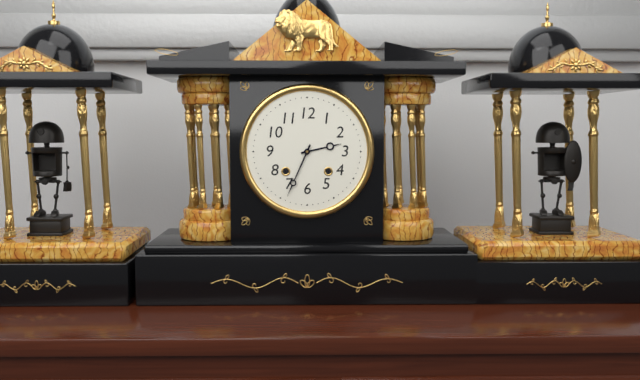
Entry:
2 h 34 min
